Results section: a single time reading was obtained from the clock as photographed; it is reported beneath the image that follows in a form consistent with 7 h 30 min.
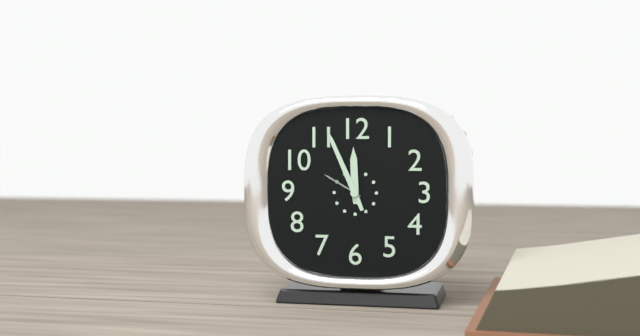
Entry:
11 h 56 min
